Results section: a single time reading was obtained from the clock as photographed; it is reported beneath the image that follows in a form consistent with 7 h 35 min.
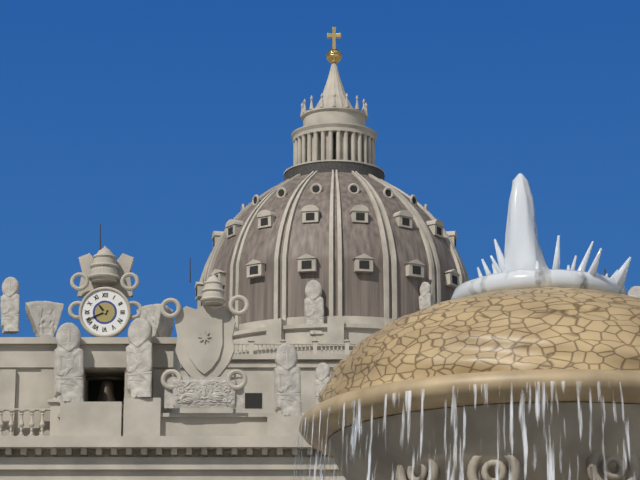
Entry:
10 h 41 min
